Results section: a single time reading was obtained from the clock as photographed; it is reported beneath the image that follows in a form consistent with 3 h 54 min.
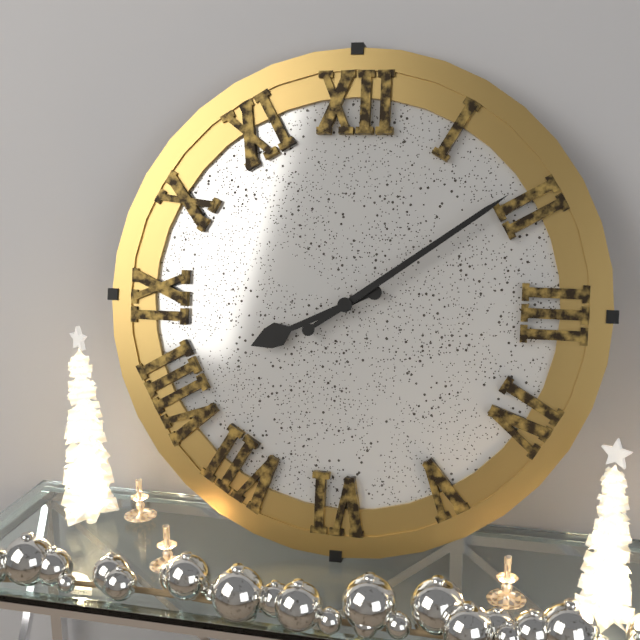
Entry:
8 h 09 min
